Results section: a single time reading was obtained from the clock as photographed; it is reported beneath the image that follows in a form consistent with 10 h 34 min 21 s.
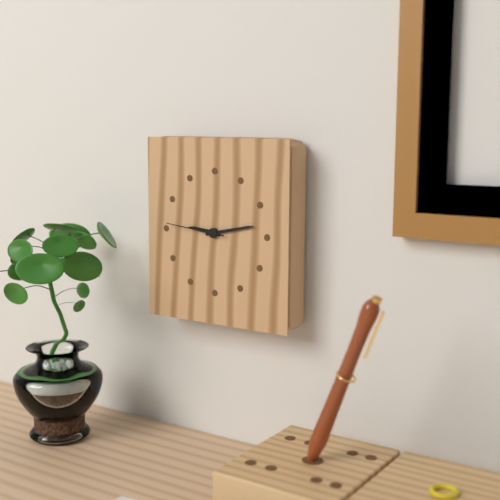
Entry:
9 h 13 min 46 s
